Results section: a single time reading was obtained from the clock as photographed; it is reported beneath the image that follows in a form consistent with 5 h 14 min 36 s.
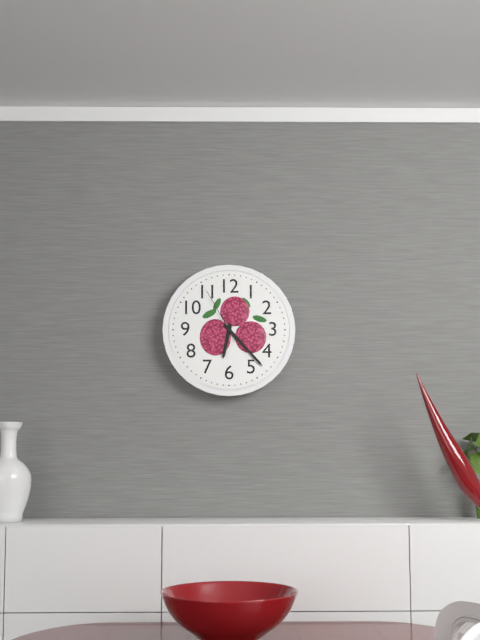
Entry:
6 h 23 min 55 s
